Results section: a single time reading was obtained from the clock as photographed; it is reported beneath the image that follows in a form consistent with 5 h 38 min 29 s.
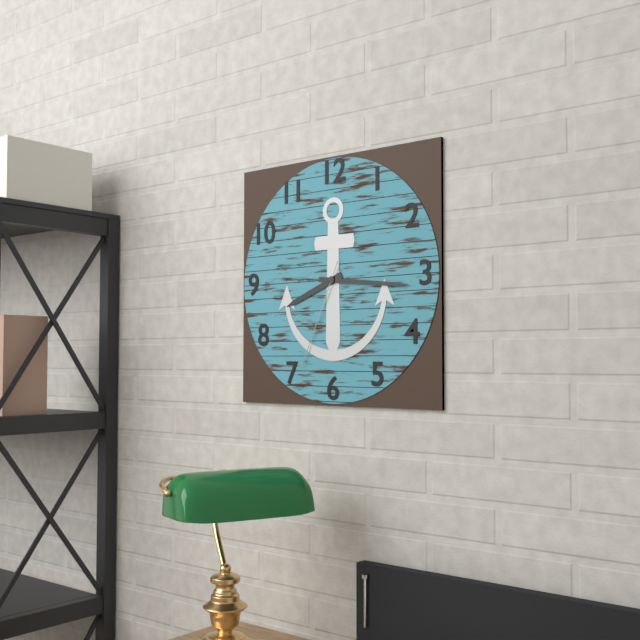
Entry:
8 h 16 min 34 s
